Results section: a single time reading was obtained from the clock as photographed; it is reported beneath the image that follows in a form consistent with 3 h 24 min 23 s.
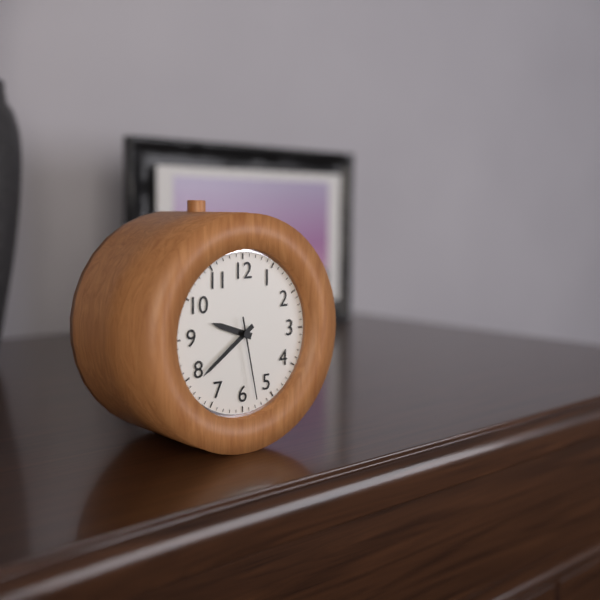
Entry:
9 h 39 min 28 s
